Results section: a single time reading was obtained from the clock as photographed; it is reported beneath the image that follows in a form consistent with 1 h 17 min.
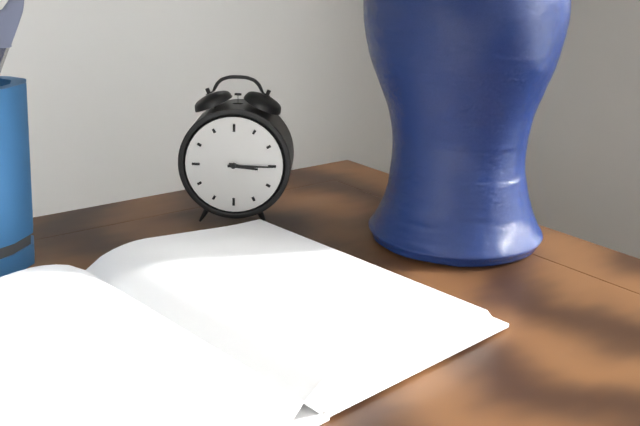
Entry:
3 h 15 min
